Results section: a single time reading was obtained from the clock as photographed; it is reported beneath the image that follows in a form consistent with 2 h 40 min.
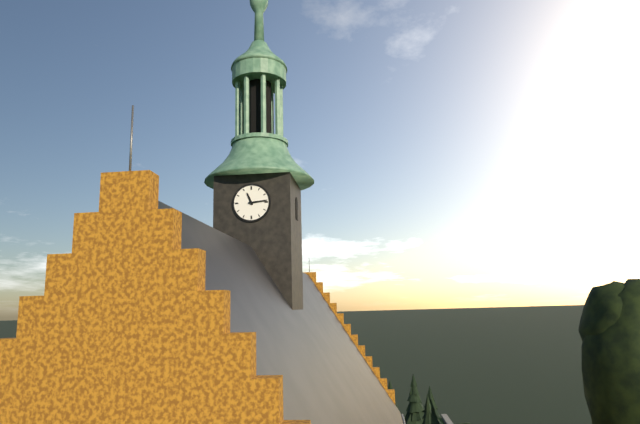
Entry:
11 h 14 min
